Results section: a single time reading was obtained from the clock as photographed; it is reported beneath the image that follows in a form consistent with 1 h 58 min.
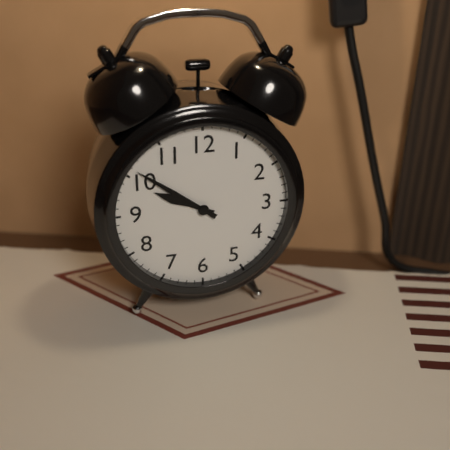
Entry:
9 h 51 min
